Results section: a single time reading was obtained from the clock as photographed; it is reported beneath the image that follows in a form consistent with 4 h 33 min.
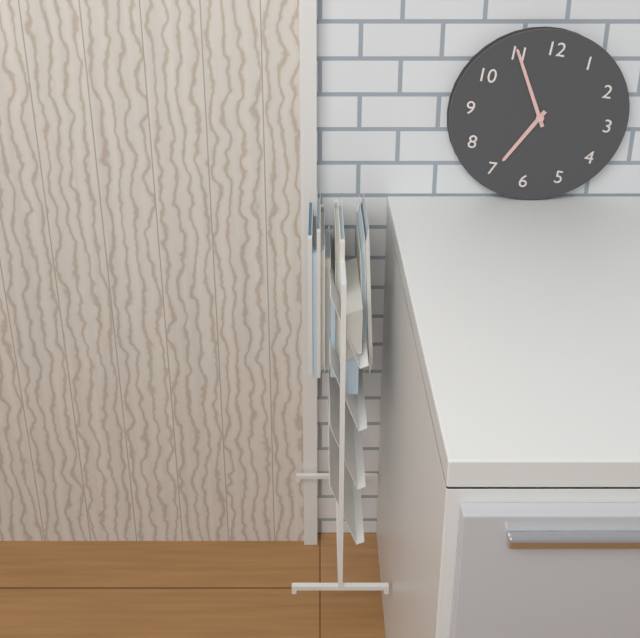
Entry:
6 h 55 min
